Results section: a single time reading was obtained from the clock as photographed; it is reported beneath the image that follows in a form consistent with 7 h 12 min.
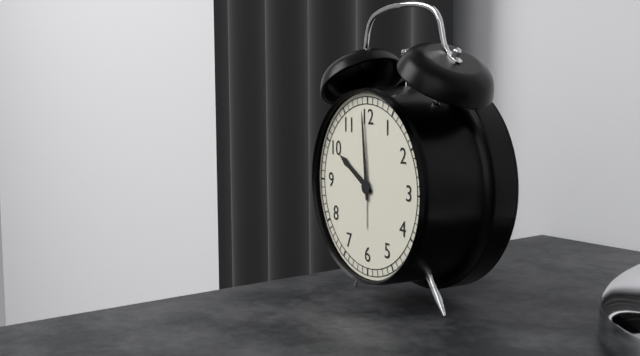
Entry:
9 h 59 min
